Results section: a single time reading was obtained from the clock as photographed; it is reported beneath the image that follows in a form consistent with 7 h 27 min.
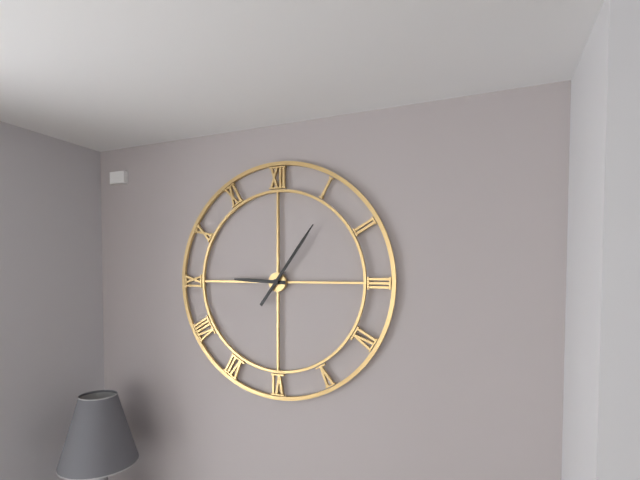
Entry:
9 h 06 min
